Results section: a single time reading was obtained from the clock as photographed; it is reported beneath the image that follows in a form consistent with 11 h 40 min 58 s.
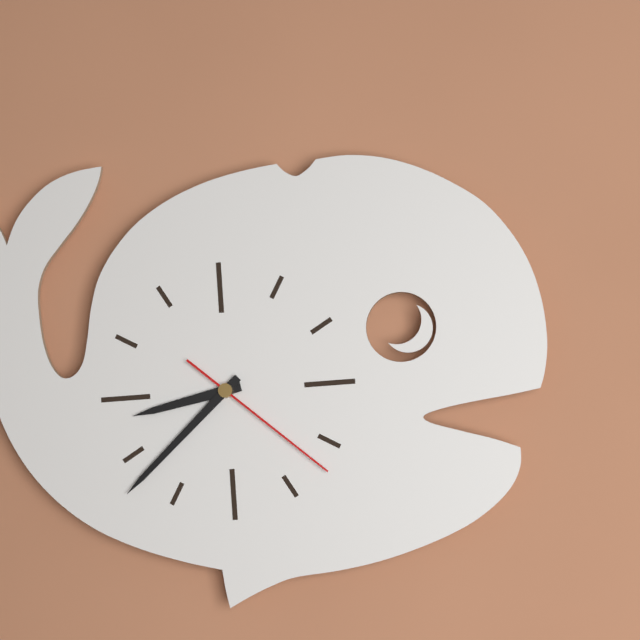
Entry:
8 h 38 min 22 s
